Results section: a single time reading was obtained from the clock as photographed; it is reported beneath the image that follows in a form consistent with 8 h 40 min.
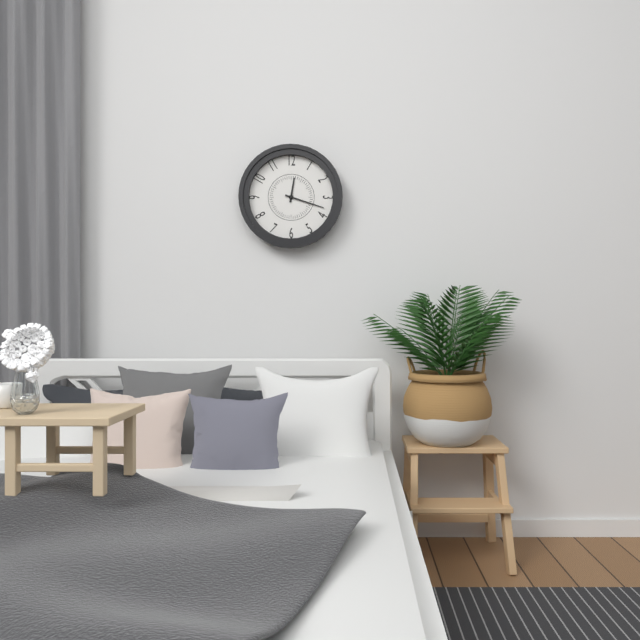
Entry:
12 h 18 min
